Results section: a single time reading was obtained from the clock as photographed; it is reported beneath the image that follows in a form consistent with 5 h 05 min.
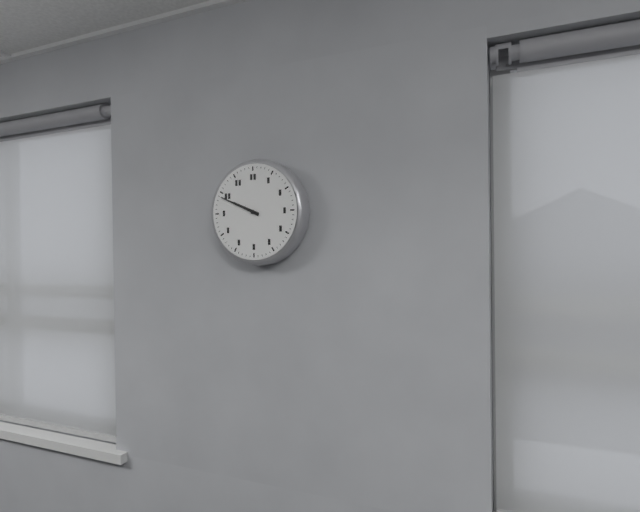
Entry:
9 h 49 min
